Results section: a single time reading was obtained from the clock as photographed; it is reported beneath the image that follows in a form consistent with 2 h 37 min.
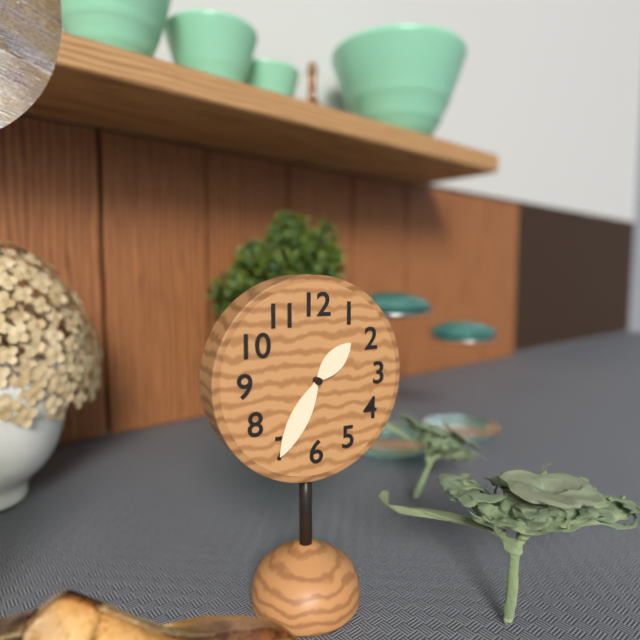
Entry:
1 h 35 min
